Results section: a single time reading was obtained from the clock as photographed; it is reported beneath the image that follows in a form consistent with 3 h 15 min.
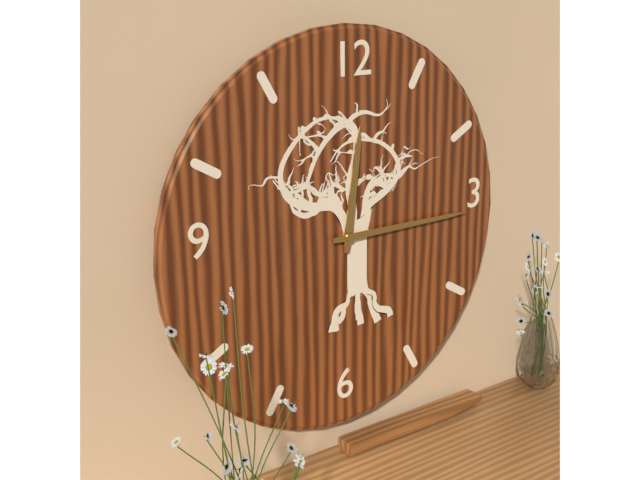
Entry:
12 h 15 min
